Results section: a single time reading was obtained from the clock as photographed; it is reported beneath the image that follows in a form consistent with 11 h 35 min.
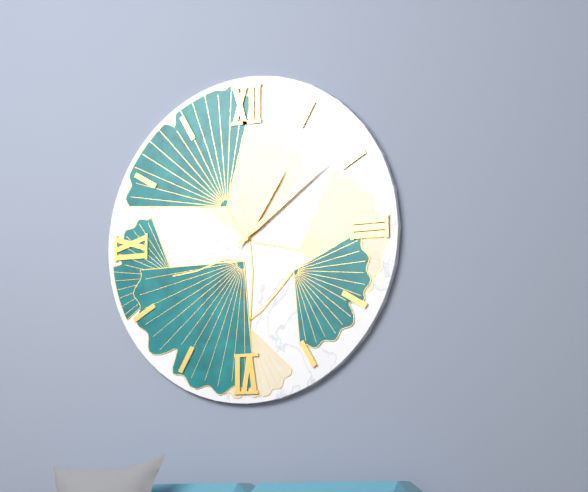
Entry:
1 h 09 min
